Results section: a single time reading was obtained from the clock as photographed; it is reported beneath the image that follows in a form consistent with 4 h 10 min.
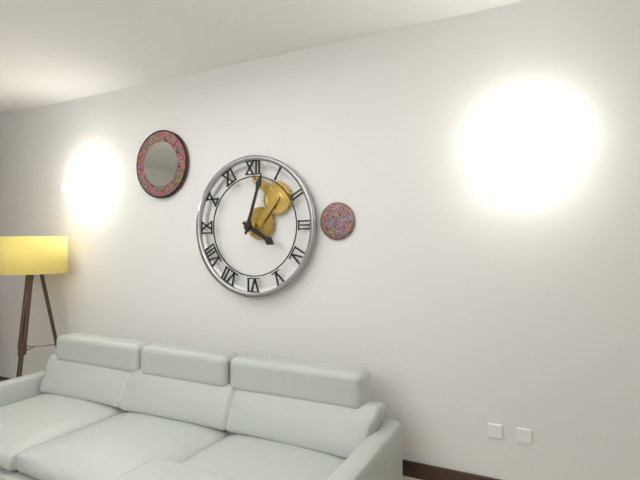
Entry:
4 h 03 min
